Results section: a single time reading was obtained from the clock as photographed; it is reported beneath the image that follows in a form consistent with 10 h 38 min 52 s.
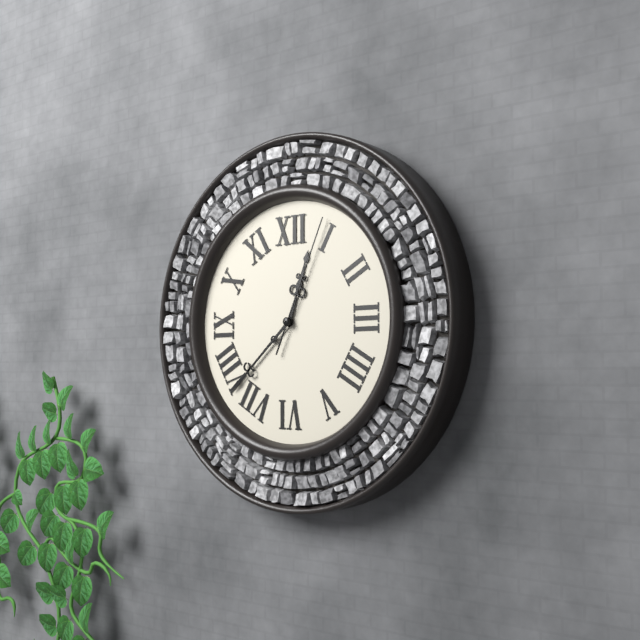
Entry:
12 h 38 min 04 s
